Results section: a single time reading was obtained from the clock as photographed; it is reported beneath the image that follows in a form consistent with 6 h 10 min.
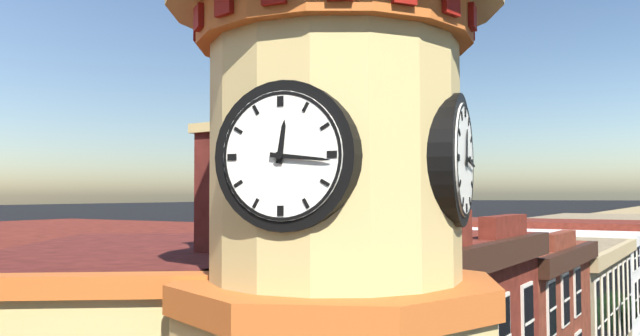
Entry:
12 h 16 min
